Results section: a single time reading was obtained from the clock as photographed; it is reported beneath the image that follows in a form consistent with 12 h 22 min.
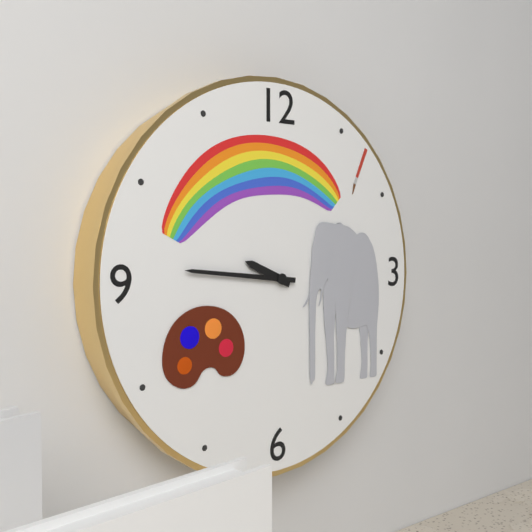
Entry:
9 h 46 min
